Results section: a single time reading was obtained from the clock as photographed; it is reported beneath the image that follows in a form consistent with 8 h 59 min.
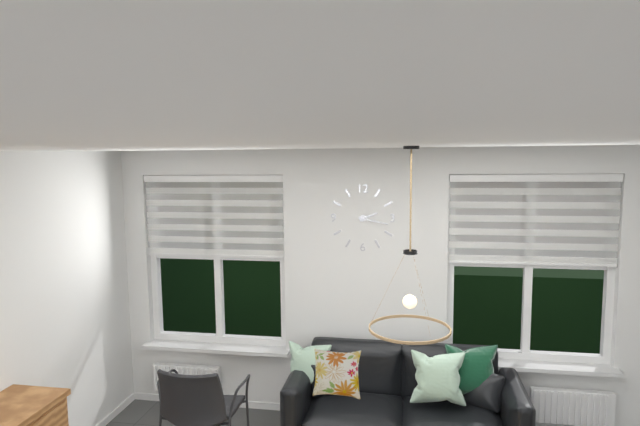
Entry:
2 h 17 min
